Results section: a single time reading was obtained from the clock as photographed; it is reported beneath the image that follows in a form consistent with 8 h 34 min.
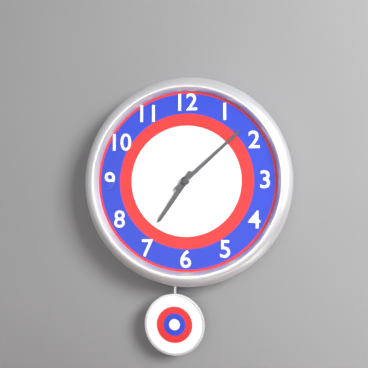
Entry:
7 h 08 min
